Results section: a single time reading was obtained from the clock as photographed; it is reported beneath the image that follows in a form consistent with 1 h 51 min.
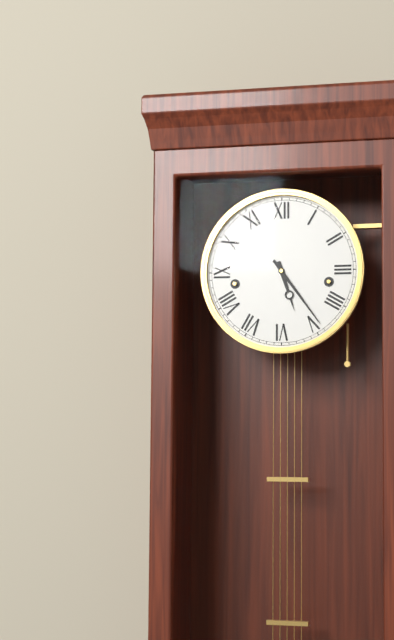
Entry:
5 h 24 min
